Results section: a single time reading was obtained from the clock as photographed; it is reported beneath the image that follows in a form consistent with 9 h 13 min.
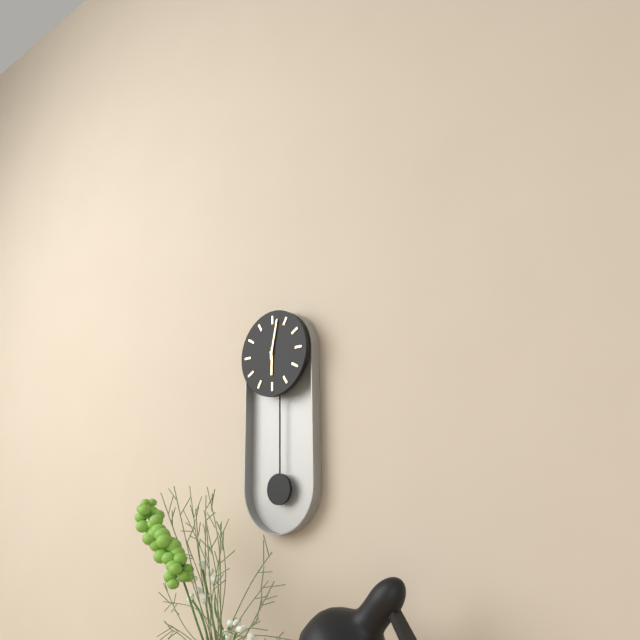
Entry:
6 h 02 min
